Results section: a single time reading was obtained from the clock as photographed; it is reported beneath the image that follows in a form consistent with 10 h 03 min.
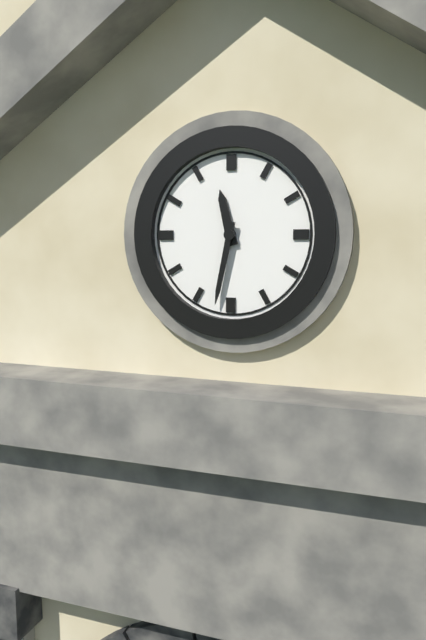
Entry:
11 h 32 min
